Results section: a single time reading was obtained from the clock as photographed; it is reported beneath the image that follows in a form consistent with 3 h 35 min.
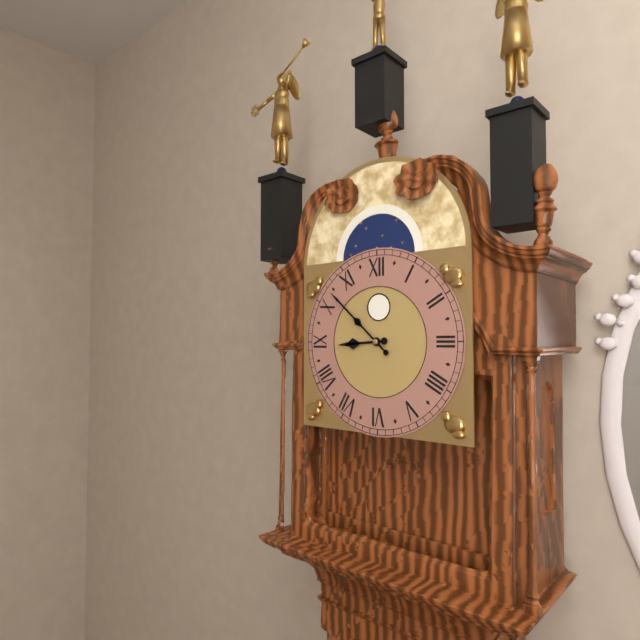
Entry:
8 h 52 min
